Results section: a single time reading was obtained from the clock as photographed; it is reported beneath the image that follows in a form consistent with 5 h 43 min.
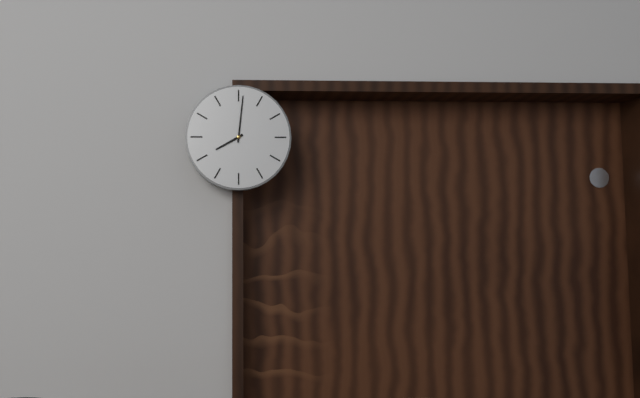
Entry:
8 h 01 min
